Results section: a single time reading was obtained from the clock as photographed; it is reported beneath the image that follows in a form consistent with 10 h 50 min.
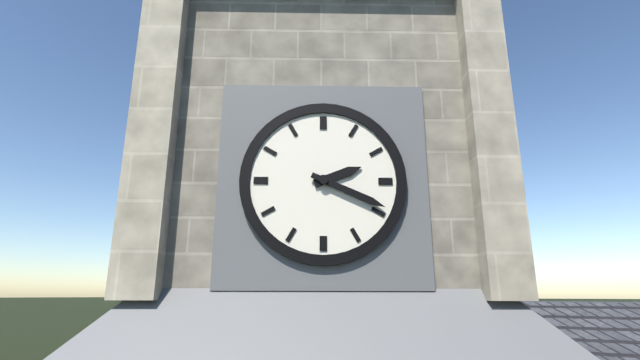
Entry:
2 h 19 min
